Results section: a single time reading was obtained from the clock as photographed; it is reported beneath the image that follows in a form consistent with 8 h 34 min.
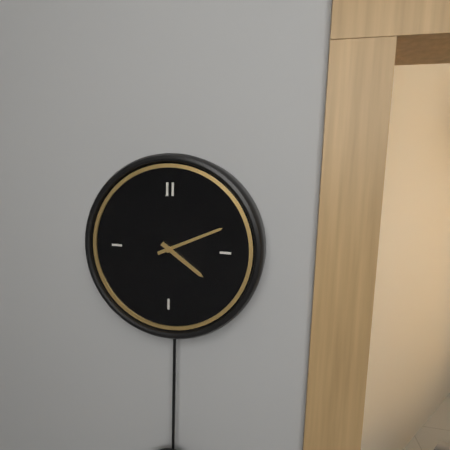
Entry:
4 h 11 min
